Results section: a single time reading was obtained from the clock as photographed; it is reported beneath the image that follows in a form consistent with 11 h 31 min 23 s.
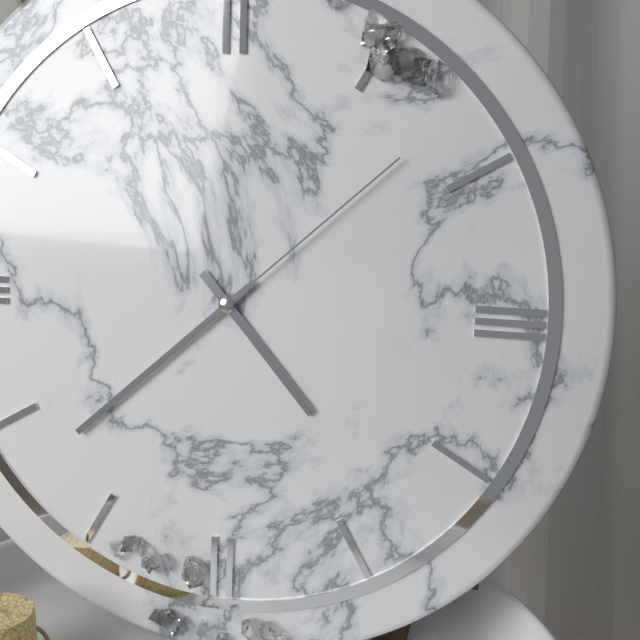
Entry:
4 h 38 min 08 s
